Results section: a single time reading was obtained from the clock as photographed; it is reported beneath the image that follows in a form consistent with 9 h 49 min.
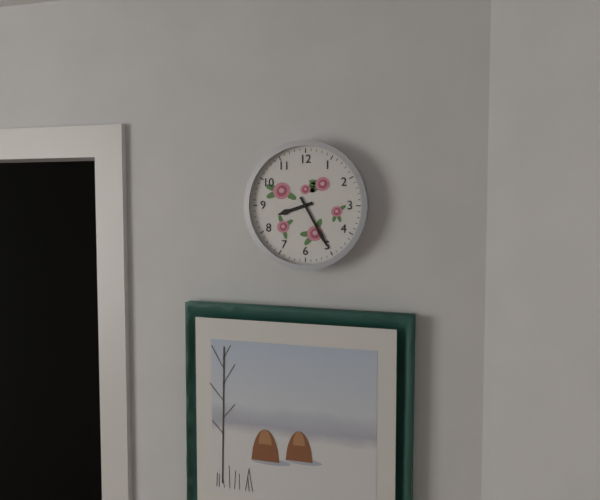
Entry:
8 h 25 min
